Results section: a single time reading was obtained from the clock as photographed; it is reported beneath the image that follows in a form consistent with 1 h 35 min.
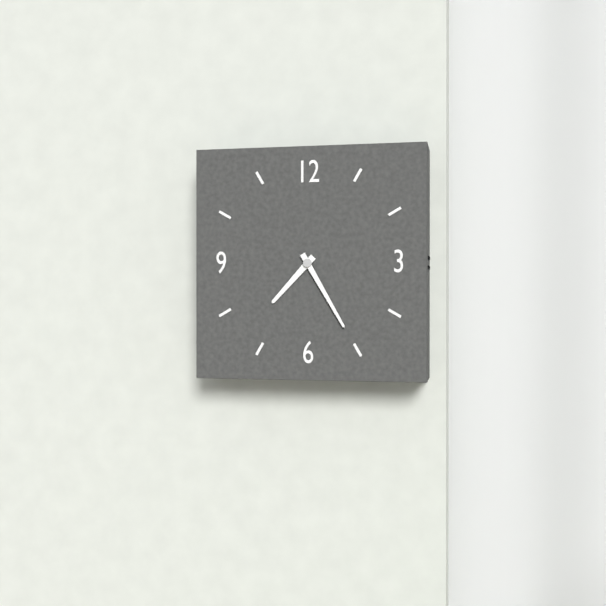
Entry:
7 h 25 min
